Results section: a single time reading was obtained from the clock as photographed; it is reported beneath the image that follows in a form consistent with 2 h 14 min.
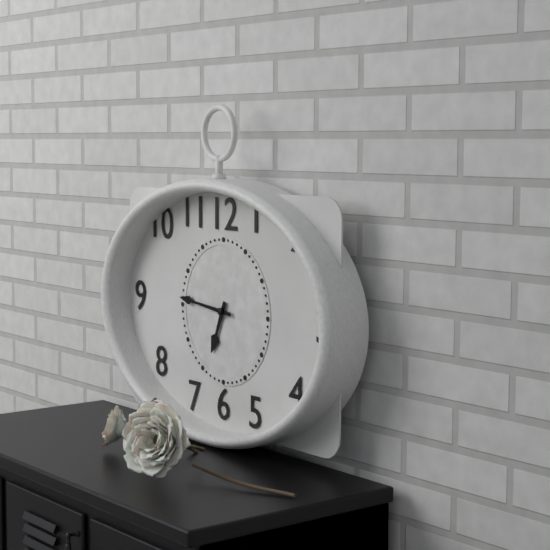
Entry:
6 h 46 min
